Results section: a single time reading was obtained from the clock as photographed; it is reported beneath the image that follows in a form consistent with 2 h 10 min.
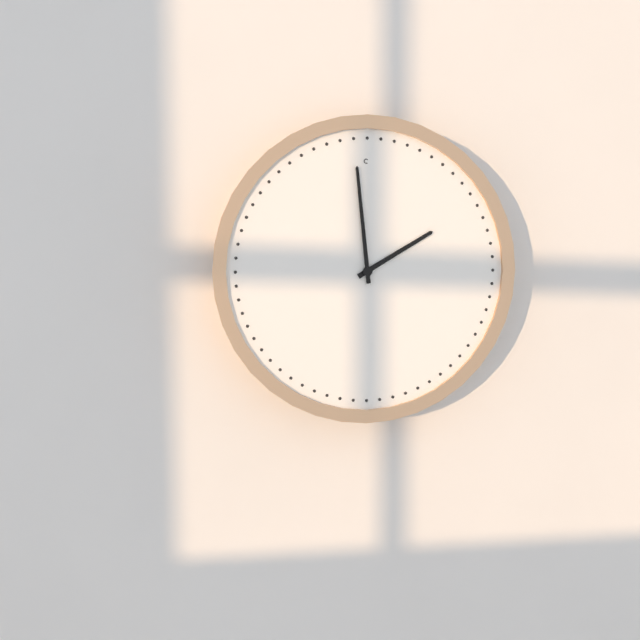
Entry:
1 h 59 min
